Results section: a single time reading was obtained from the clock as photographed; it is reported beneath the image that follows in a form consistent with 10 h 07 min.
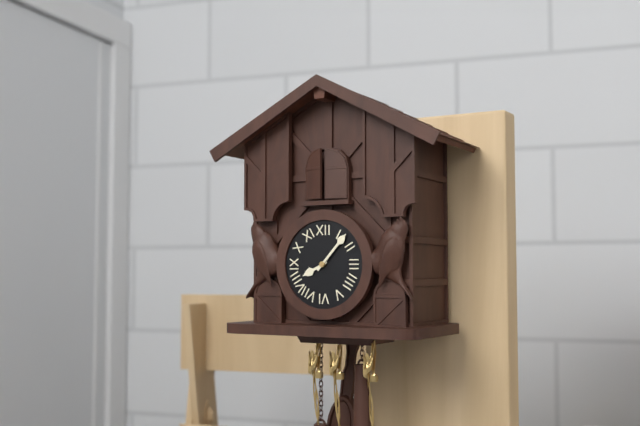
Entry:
8 h 07 min
